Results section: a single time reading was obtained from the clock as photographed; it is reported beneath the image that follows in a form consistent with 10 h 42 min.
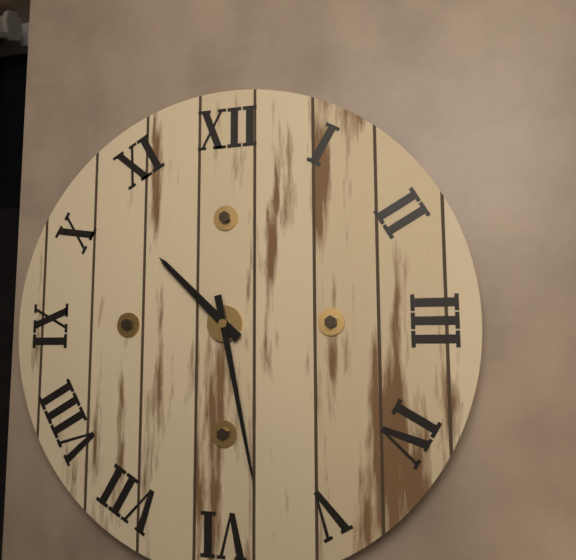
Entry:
10 h 28 min
